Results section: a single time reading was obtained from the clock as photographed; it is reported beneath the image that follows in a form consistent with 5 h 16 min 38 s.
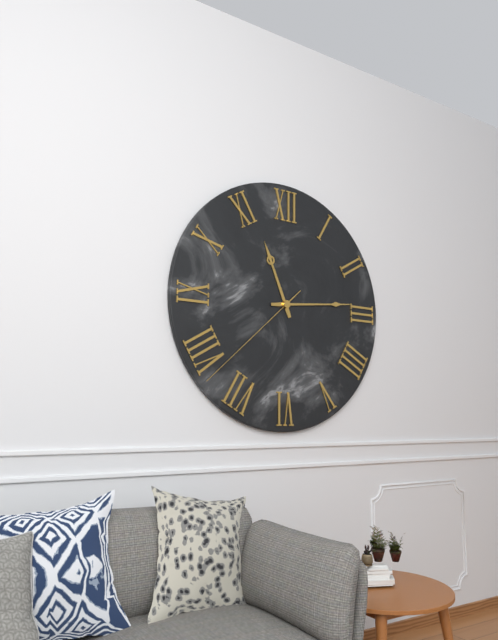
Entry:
11 h 14 min 38 s
